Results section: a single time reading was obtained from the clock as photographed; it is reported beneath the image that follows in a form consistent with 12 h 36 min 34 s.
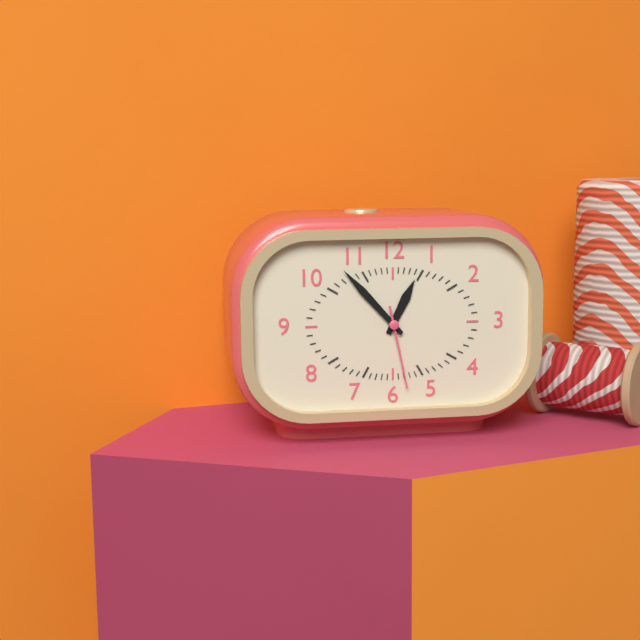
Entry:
12 h 53 min 28 s
